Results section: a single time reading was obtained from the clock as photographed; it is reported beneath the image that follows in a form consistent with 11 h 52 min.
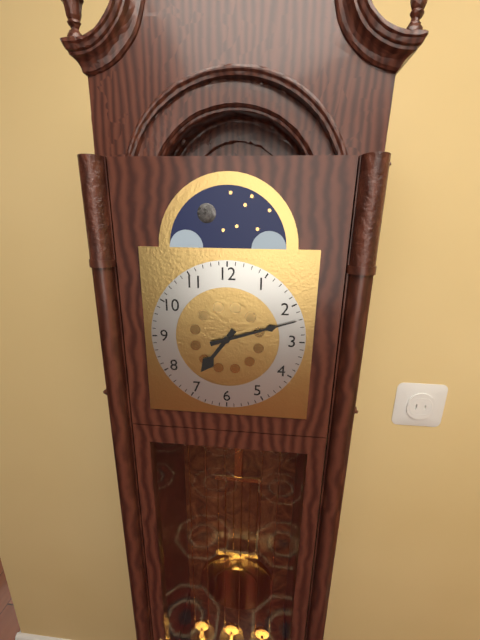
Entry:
7 h 12 min
